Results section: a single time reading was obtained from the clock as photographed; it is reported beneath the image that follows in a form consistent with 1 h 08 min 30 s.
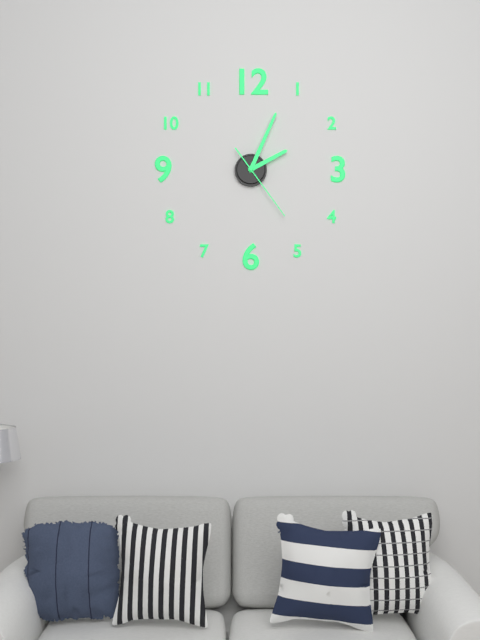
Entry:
2 h 04 min 24 s
